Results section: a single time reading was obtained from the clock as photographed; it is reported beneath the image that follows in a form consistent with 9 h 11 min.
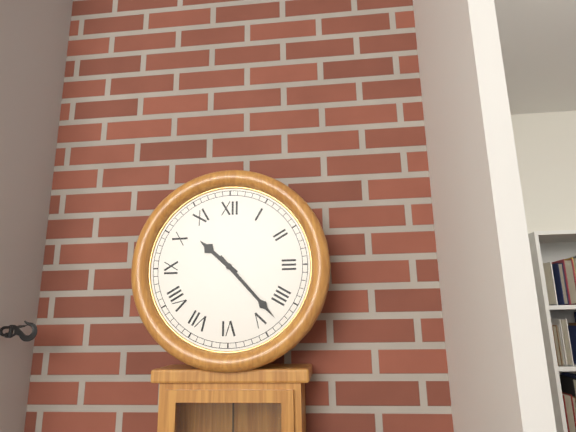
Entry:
10 h 23 min
